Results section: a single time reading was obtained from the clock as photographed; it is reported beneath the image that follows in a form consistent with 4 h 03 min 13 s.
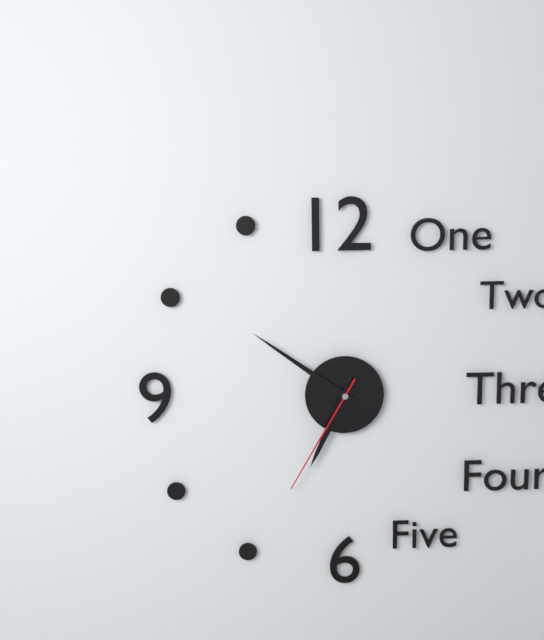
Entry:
6 h 51 min 35 s
